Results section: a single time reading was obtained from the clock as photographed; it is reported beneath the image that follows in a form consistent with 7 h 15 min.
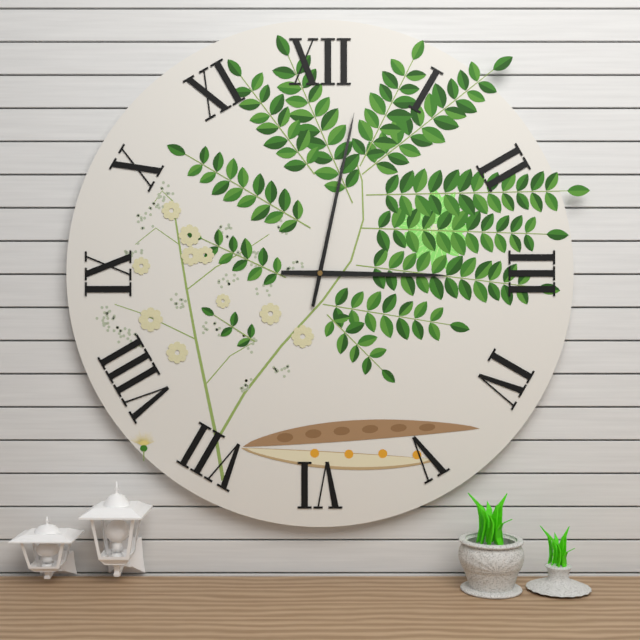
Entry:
3 h 02 min
